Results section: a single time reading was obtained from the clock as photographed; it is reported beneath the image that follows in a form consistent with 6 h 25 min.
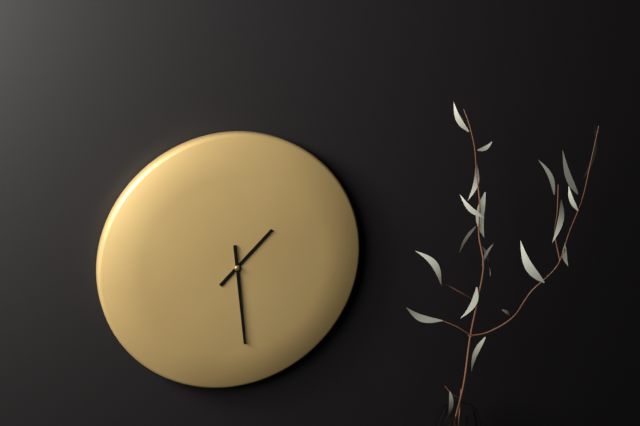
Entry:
1 h 29 min
